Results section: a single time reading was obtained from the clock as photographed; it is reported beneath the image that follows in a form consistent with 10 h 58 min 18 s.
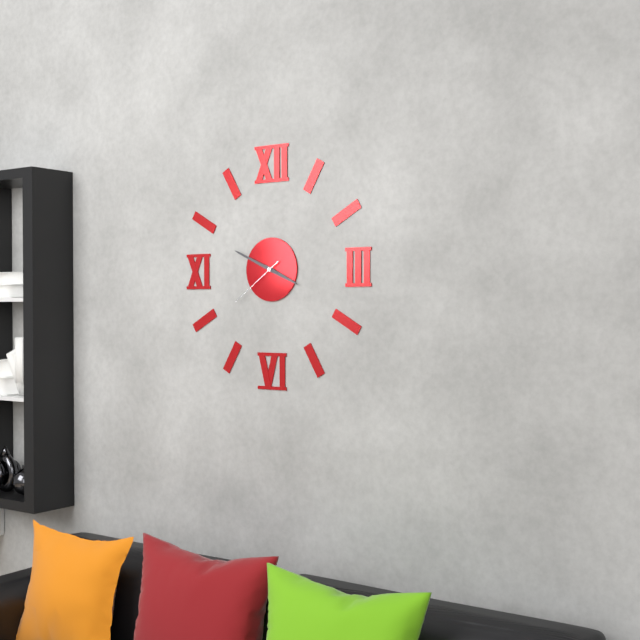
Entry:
3 h 49 min 39 s
